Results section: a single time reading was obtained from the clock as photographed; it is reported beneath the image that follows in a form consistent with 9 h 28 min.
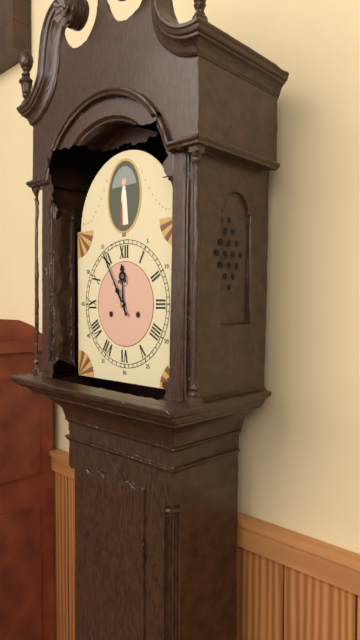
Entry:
11 h 55 min
